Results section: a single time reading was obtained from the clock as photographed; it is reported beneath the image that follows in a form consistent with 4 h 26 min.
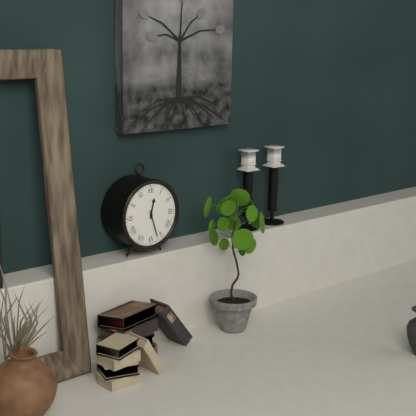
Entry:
12 h 27 min
